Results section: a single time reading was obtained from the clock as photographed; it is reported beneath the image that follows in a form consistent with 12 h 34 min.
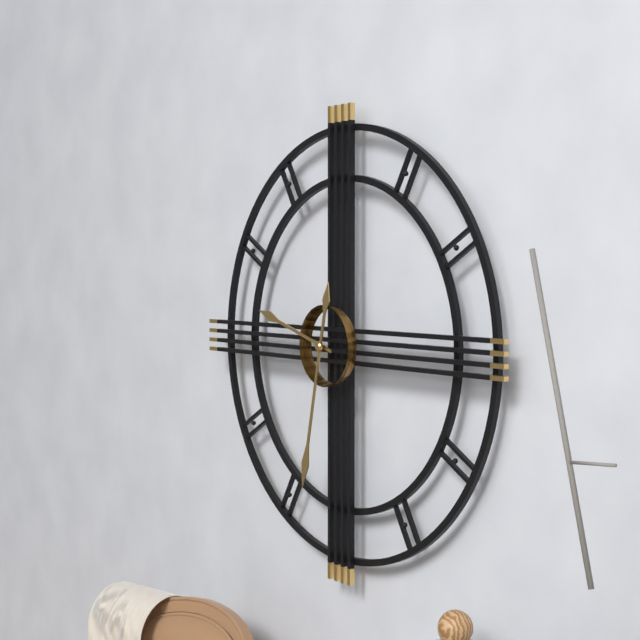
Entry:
9 h 32 min
